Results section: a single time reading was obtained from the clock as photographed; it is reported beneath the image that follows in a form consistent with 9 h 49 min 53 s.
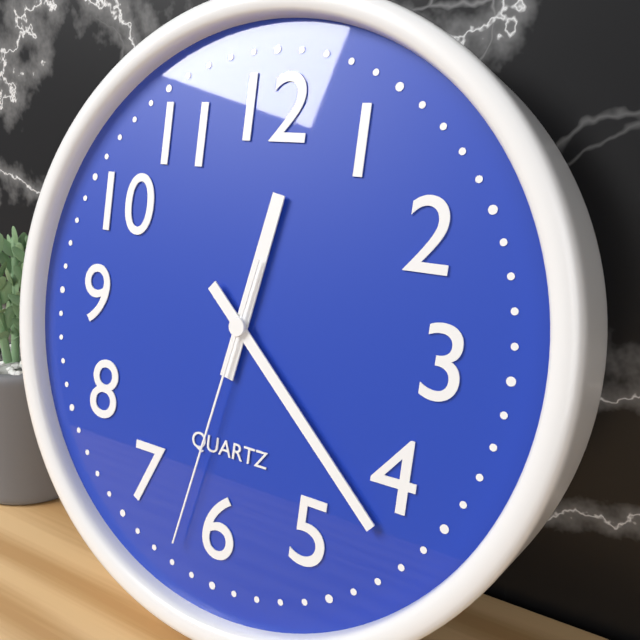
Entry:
12 h 22 min 32 s
